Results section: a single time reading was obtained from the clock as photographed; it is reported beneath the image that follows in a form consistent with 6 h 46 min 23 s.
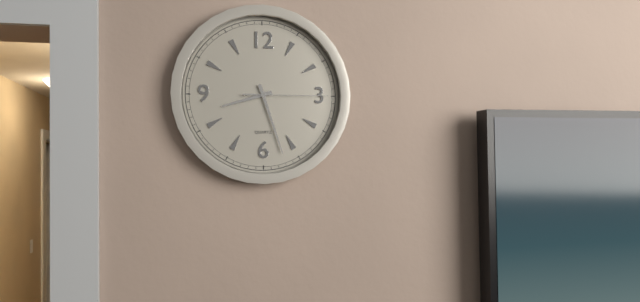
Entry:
8 h 27 min 15 s
